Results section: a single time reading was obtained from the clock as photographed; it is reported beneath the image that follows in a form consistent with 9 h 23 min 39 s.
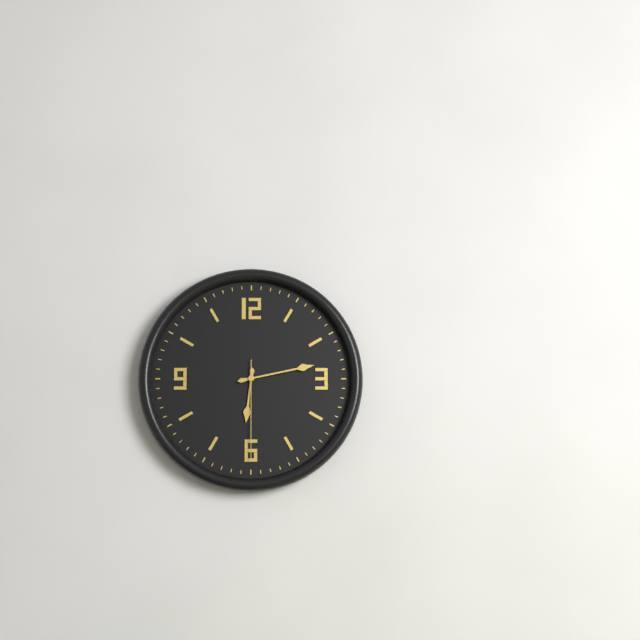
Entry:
6 h 13 min 30 s
